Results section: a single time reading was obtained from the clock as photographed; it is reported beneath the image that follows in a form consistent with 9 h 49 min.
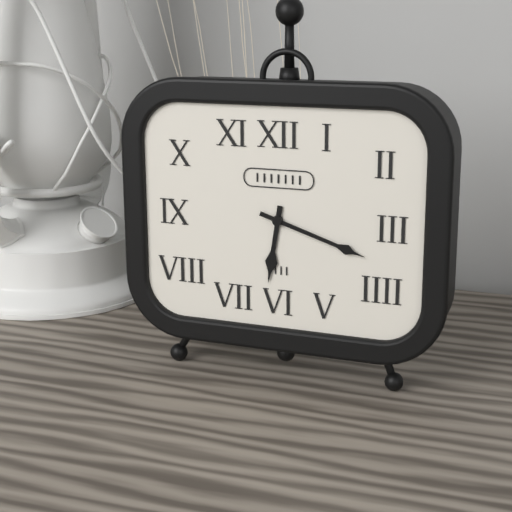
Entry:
6 h 18 min
